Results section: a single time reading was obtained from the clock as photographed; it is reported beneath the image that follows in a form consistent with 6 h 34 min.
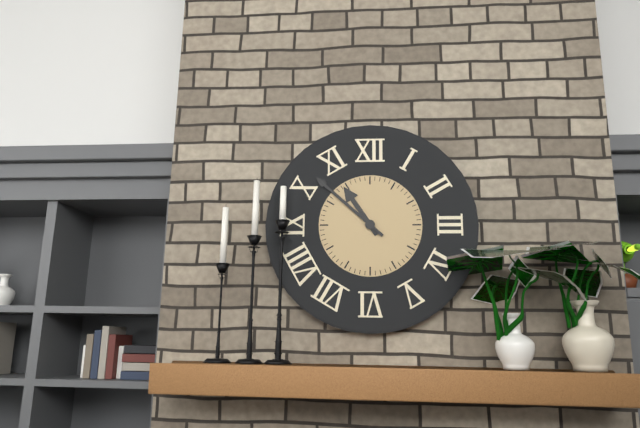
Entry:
10 h 52 min
